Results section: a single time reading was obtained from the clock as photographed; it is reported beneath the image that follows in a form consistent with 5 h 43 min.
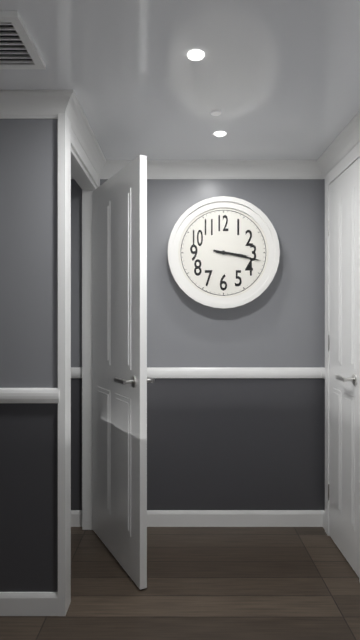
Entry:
3 h 17 min
